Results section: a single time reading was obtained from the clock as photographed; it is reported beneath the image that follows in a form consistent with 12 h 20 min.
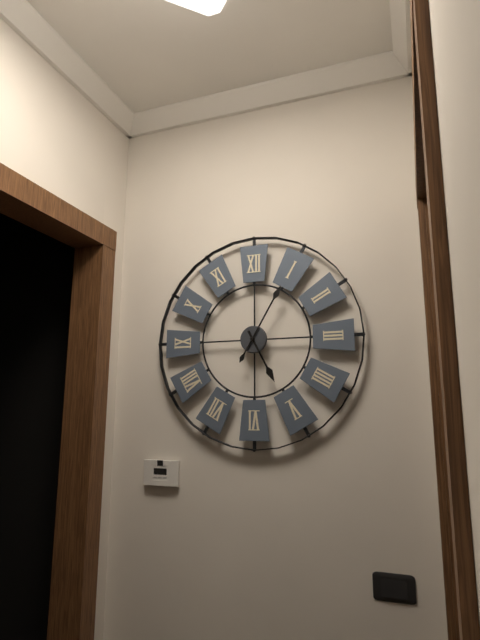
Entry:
5 h 05 min
